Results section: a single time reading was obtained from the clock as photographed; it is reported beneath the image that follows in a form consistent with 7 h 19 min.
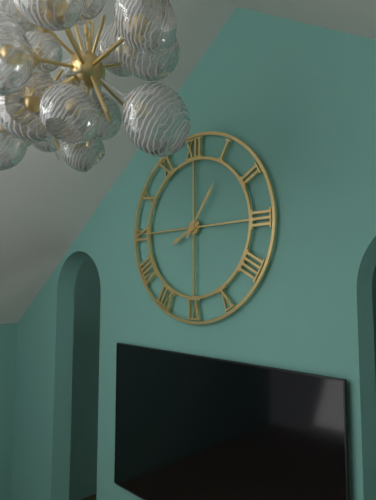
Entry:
8 h 06 min
